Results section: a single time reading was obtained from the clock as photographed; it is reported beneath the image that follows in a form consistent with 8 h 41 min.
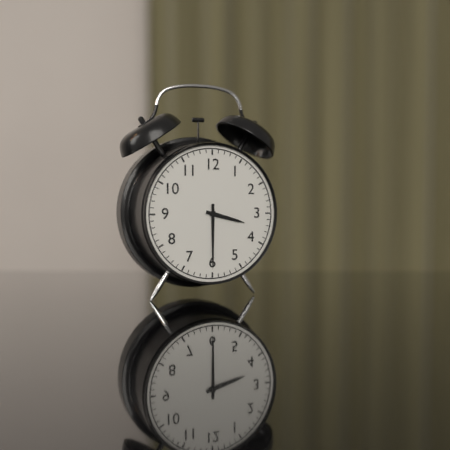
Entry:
3 h 30 min
